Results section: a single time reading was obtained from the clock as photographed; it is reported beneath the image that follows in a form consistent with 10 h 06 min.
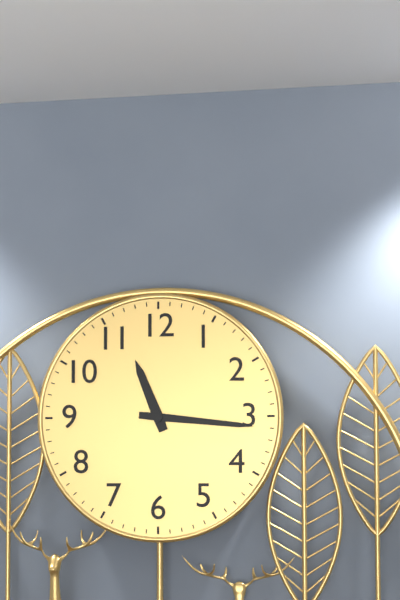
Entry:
11 h 16 min
